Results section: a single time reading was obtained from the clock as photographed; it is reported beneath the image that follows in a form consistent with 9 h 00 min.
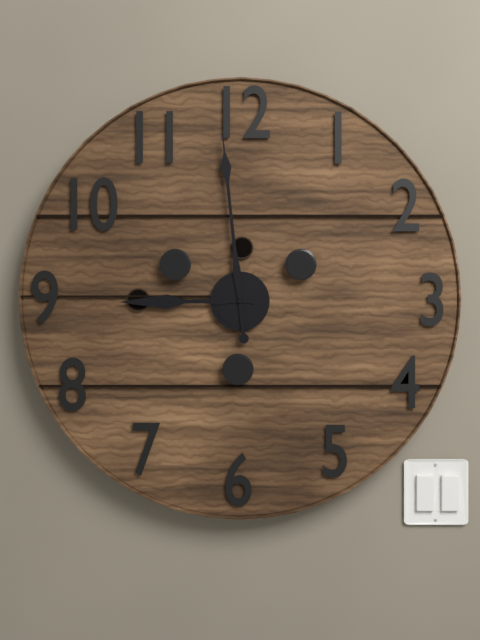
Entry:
8 h 59 min
